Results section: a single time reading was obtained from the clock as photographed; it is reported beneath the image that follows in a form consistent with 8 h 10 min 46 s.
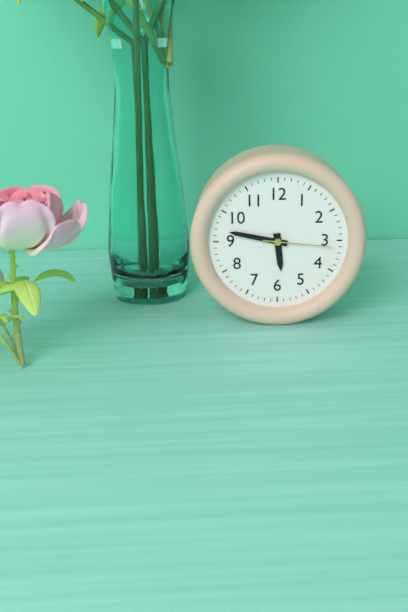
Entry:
5 h 47 min 16 s
